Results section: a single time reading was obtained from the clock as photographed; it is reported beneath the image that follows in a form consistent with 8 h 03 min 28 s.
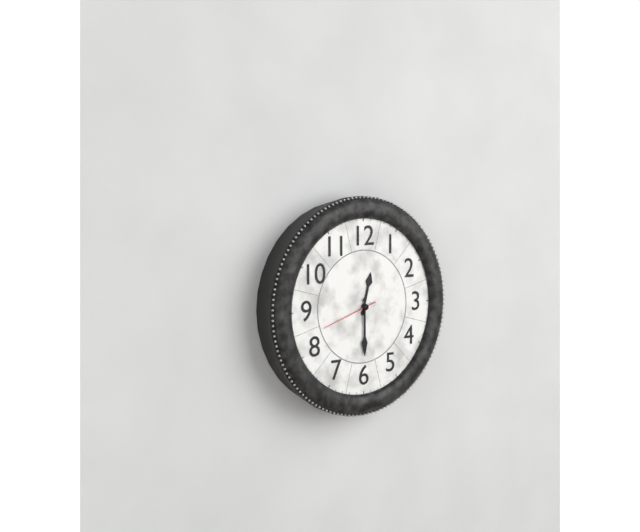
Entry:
12 h 30 min 42 s
